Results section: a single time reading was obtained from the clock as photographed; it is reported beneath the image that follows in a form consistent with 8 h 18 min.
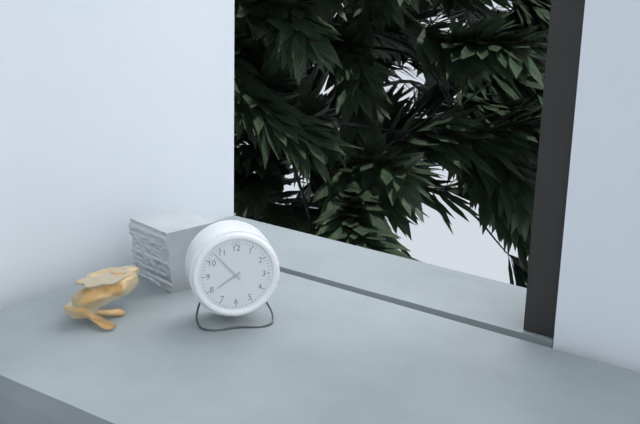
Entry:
7 h 53 min
